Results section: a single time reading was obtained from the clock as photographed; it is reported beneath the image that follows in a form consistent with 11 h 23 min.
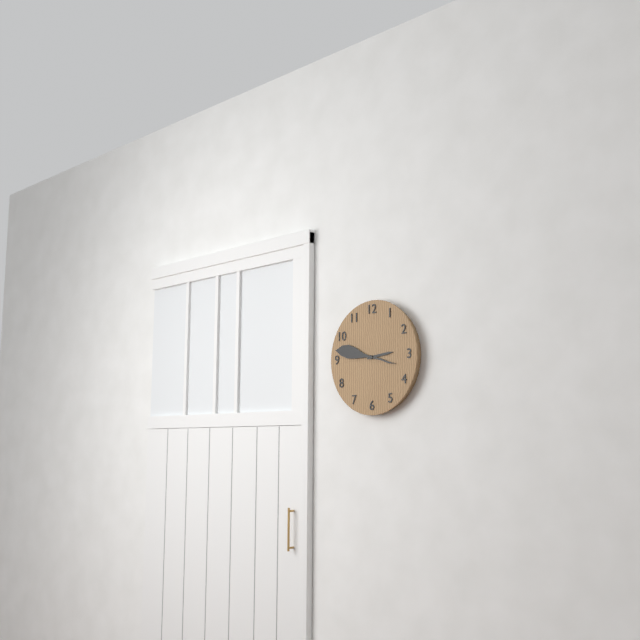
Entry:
2 h 47 min
